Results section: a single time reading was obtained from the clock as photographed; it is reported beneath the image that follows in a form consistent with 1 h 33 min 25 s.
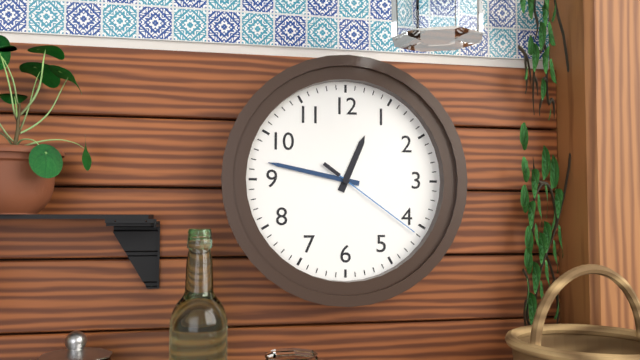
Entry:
12 h 47 min 21 s
